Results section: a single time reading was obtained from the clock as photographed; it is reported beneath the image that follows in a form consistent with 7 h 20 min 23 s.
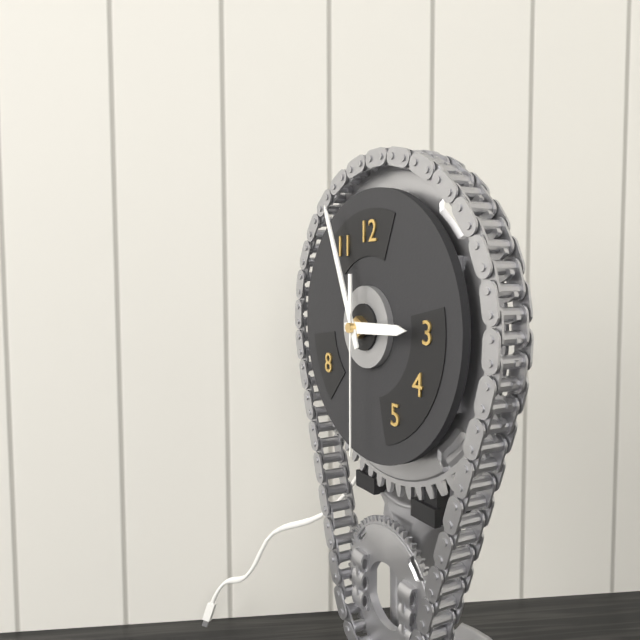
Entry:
2 h 56 min 30 s
